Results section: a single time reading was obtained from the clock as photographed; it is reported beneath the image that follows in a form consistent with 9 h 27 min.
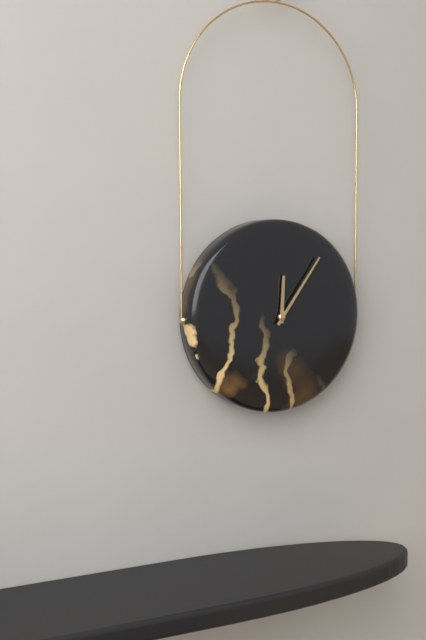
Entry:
12 h 06 min
